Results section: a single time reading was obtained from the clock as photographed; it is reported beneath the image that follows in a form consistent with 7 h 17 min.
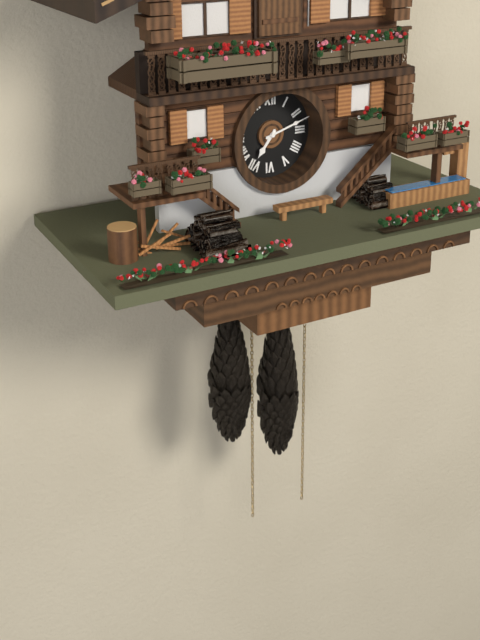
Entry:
7 h 12 min
